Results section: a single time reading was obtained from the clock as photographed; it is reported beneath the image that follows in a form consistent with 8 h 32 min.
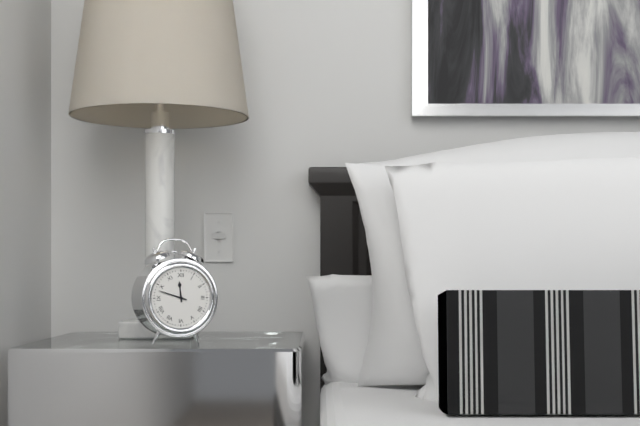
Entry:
11 h 48 min
